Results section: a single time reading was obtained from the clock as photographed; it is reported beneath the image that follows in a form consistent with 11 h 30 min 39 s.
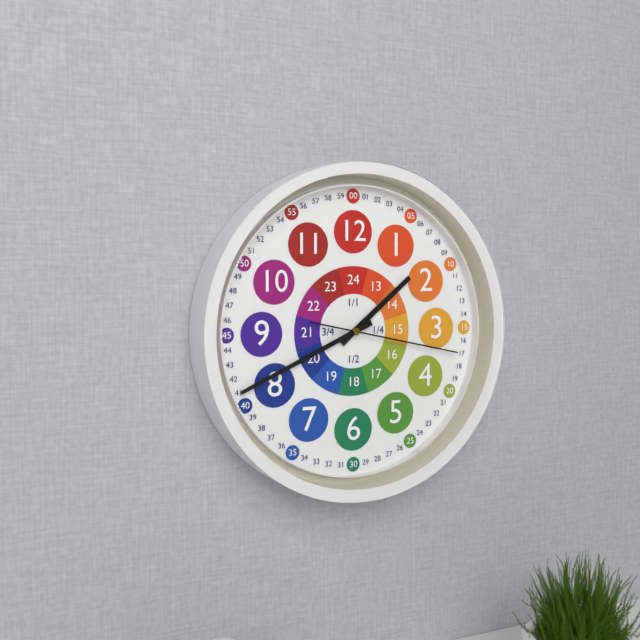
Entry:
1 h 41 min 17 s
